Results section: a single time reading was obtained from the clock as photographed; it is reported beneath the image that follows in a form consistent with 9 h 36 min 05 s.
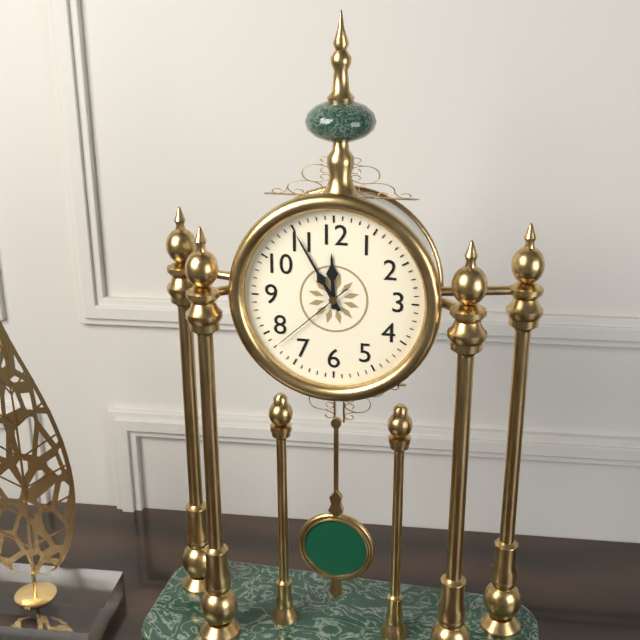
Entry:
11 h 55 min 38 s
